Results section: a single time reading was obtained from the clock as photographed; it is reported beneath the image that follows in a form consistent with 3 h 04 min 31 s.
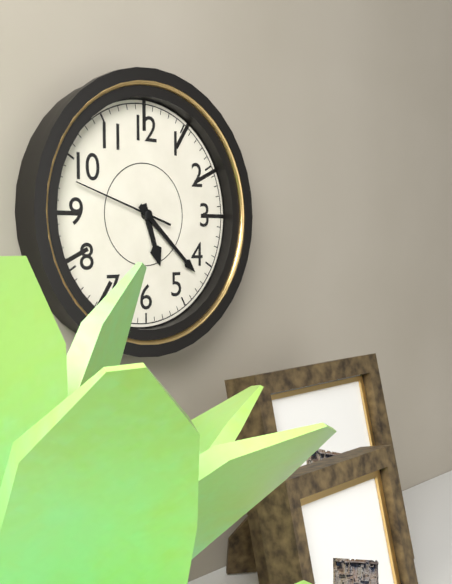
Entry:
5 h 22 min 48 s
